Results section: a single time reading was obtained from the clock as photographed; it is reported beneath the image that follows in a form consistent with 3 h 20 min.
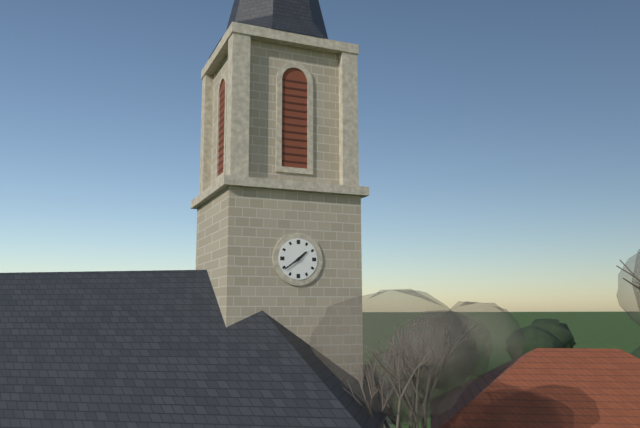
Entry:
1 h 39 min
